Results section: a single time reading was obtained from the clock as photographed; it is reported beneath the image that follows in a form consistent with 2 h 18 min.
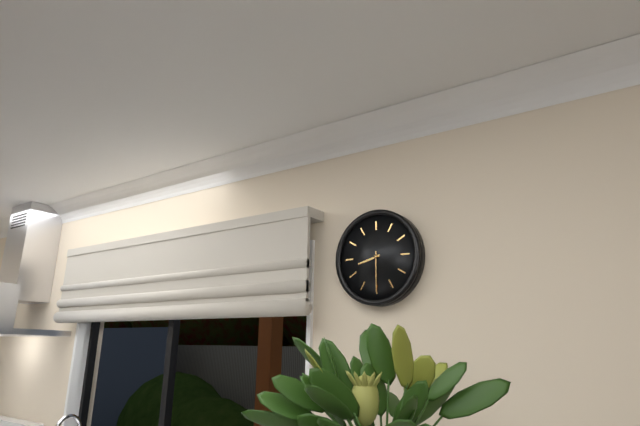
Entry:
8 h 30 min
